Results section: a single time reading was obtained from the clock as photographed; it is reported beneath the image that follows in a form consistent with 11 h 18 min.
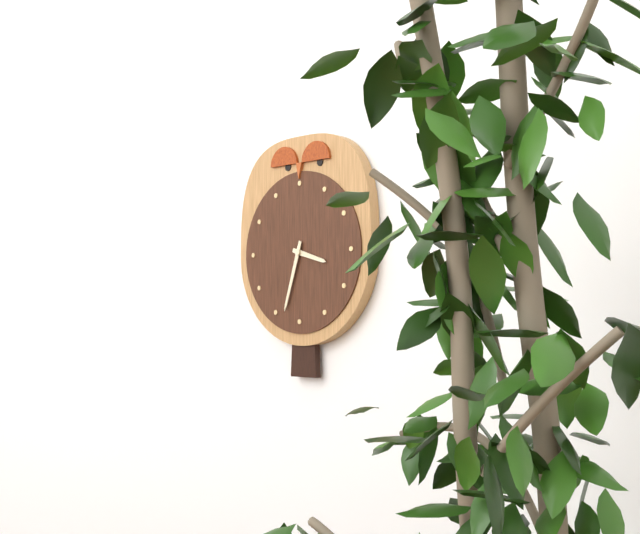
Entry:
3 h 33 min
